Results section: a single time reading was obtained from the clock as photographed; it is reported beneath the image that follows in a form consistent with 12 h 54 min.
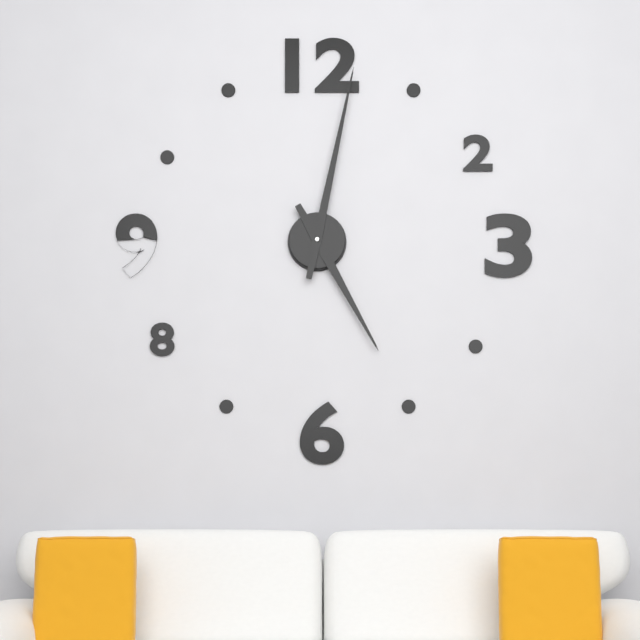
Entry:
5 h 02 min
